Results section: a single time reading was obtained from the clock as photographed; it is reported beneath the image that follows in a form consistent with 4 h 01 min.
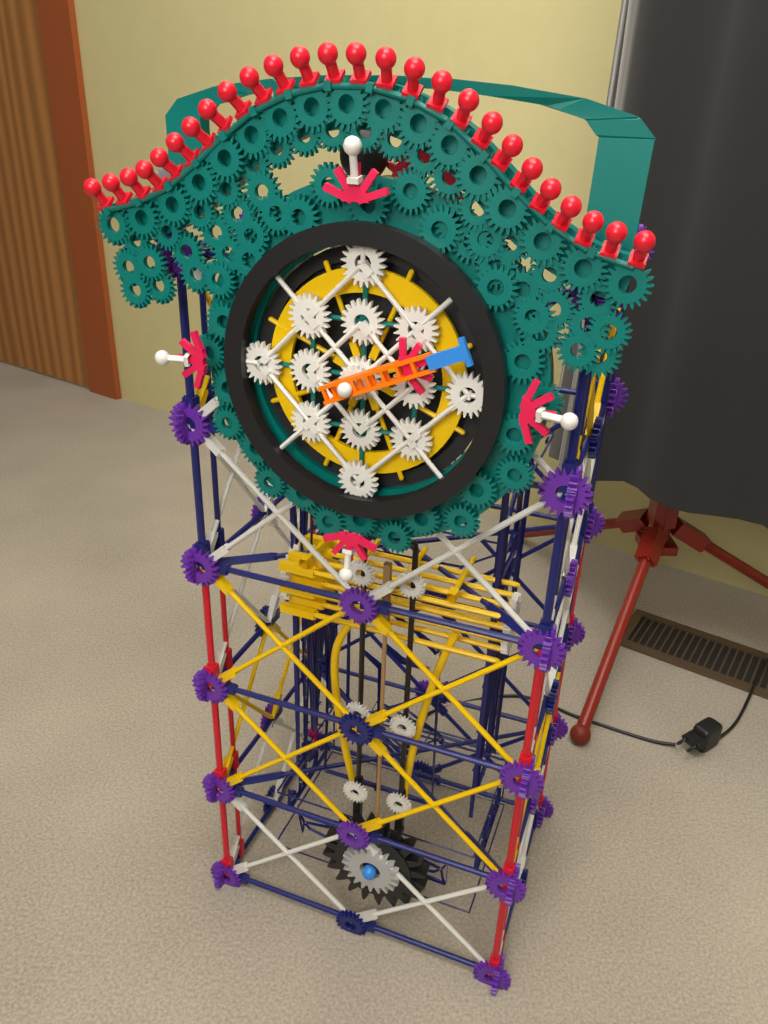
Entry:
2 h 11 min
